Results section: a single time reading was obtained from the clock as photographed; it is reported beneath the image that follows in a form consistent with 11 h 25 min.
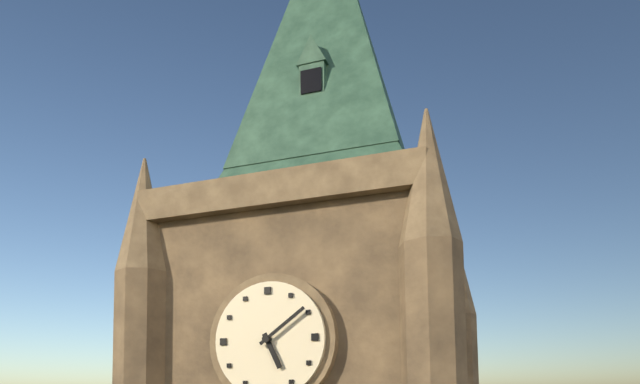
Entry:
5 h 09 min
